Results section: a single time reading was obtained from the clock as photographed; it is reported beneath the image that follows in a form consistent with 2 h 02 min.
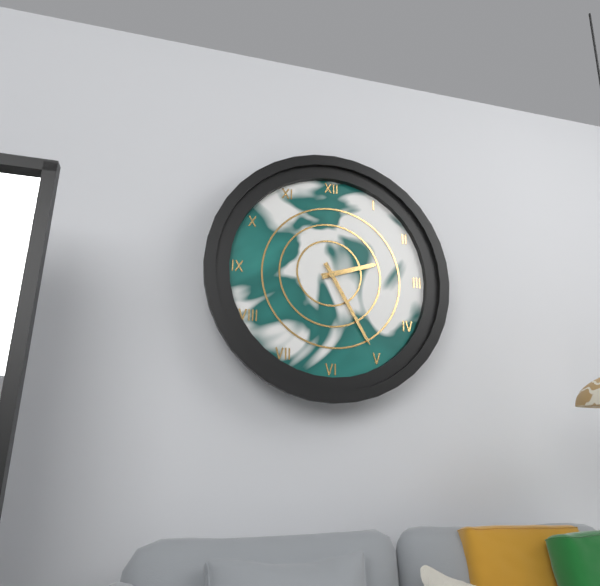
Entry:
2 h 25 min
